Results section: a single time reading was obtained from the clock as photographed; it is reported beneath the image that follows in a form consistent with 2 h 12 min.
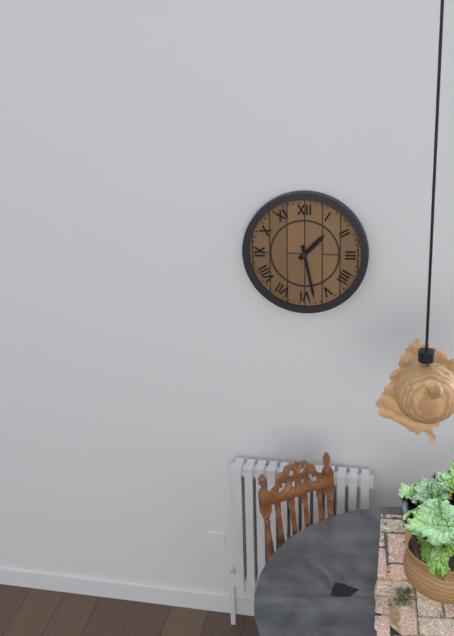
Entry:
1 h 28 min
